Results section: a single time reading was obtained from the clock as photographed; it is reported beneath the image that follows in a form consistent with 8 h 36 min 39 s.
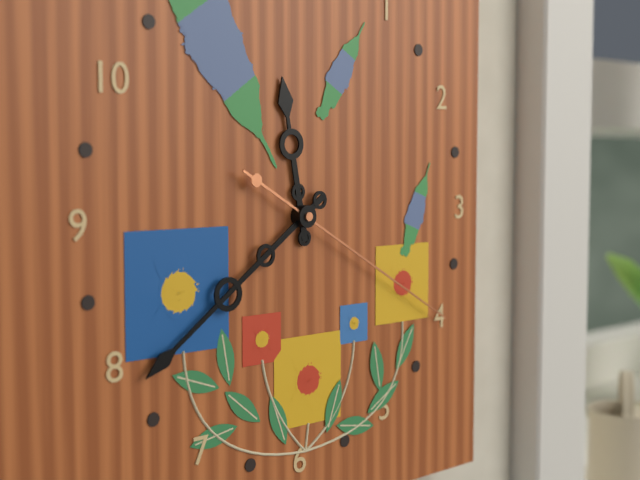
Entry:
11 h 39 min 20 s
